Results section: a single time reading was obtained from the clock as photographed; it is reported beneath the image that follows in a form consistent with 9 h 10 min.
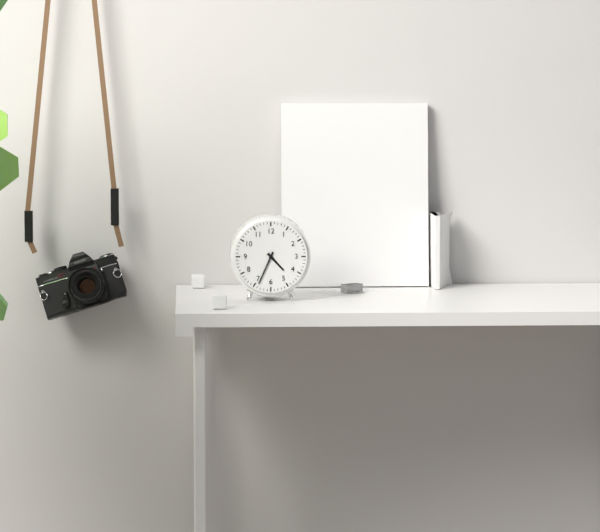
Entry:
4 h 34 min
